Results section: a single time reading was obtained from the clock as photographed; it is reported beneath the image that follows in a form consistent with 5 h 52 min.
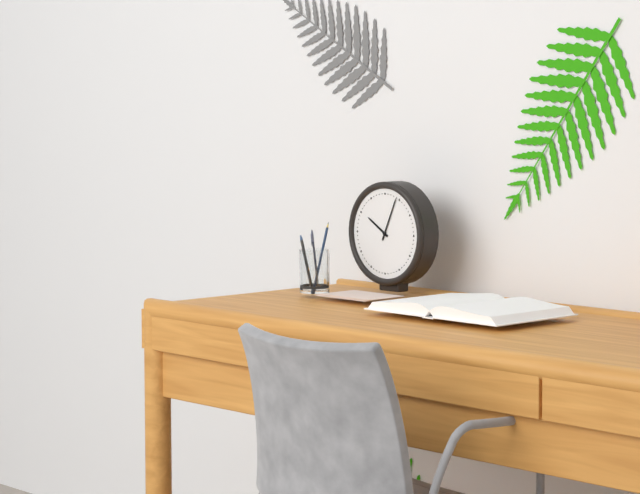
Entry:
10 h 04 min
